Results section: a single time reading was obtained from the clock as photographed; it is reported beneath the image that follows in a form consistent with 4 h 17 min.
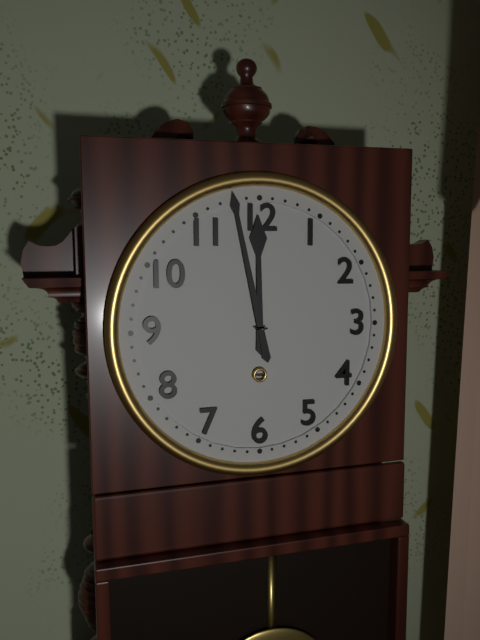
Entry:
11 h 58 min
